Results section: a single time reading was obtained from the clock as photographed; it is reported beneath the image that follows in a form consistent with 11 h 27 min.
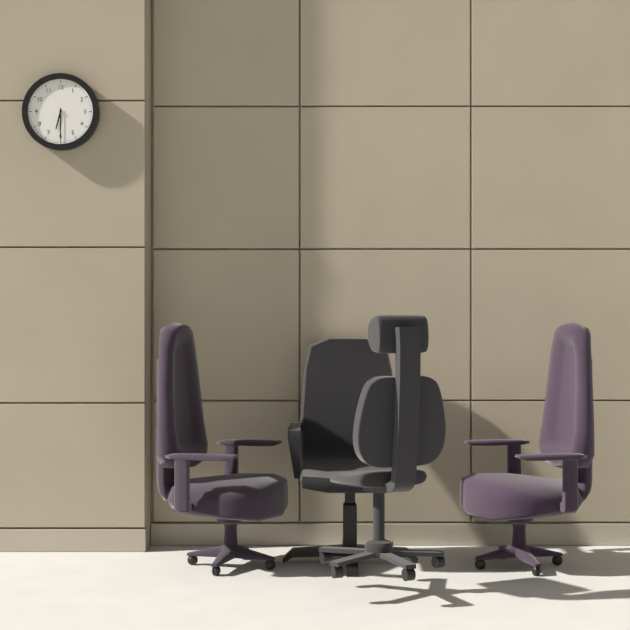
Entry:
6 h 30 min
